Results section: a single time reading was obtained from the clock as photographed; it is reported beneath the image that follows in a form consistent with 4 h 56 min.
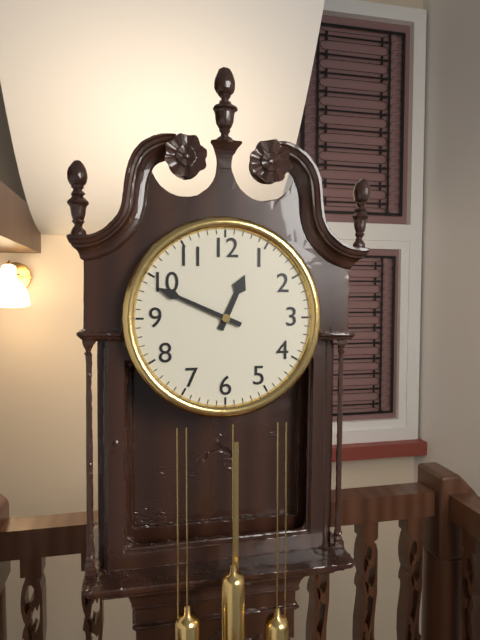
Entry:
12 h 49 min
